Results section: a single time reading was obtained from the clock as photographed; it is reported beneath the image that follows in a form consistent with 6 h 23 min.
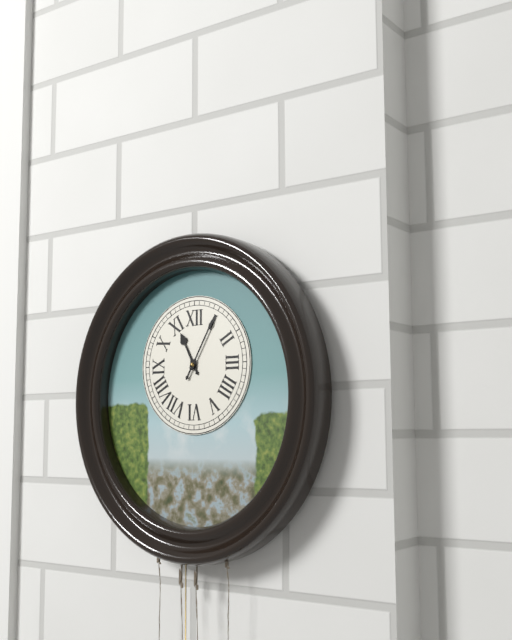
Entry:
11 h 05 min
